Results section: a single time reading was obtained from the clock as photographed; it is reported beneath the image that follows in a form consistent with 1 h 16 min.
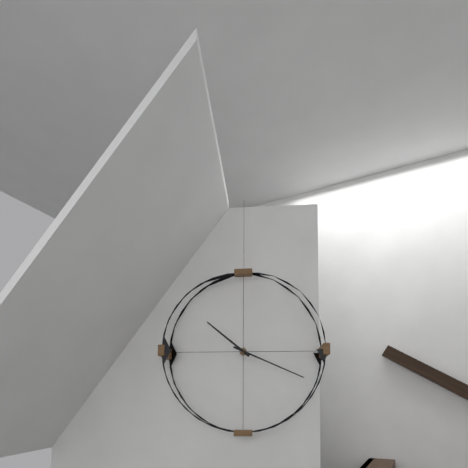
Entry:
10 h 19 min
